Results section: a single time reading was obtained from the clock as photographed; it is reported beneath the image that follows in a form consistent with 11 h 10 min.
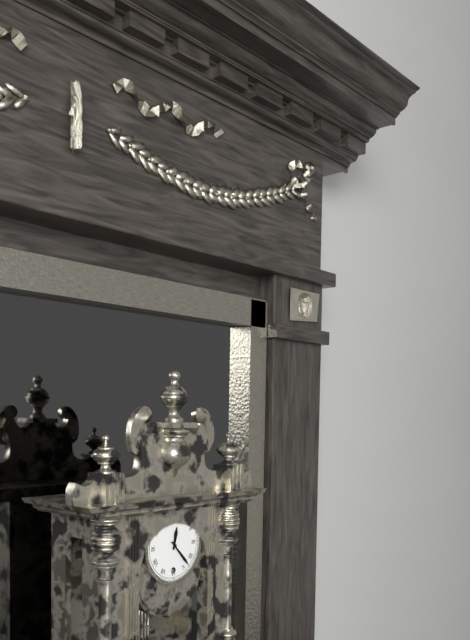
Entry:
12 h 23 min
